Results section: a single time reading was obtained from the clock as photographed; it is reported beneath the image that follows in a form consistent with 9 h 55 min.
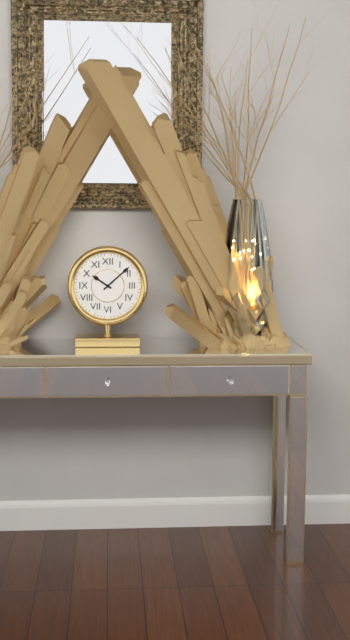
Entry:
10 h 08 min
